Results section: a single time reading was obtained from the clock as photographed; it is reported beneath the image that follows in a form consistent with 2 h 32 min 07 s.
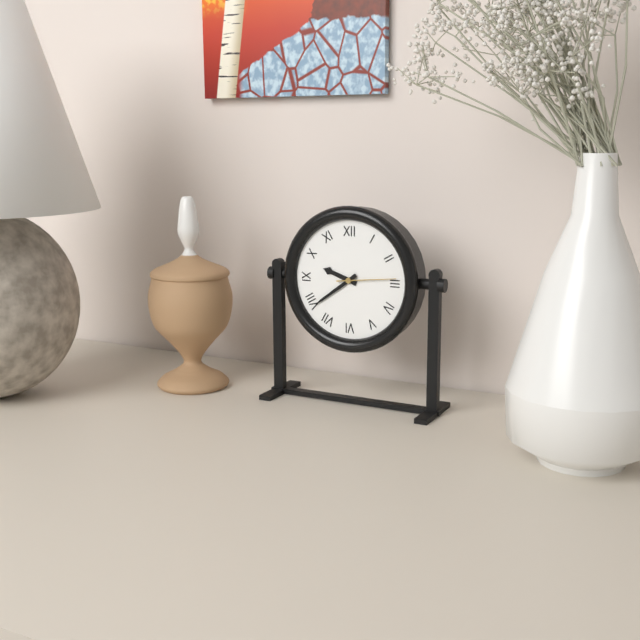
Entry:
9 h 39 min 14 s
